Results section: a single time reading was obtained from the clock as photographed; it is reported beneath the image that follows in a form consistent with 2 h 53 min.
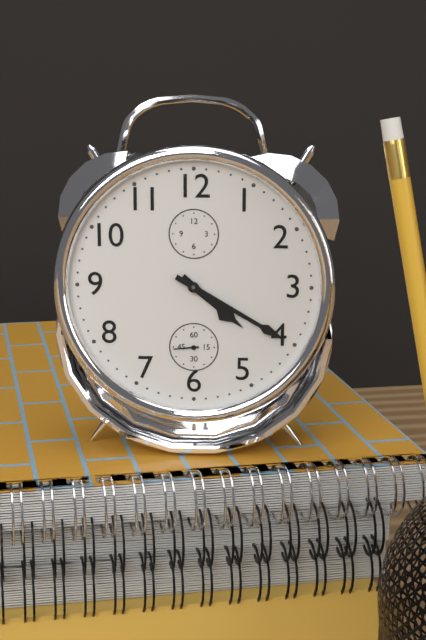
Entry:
4 h 20 min
